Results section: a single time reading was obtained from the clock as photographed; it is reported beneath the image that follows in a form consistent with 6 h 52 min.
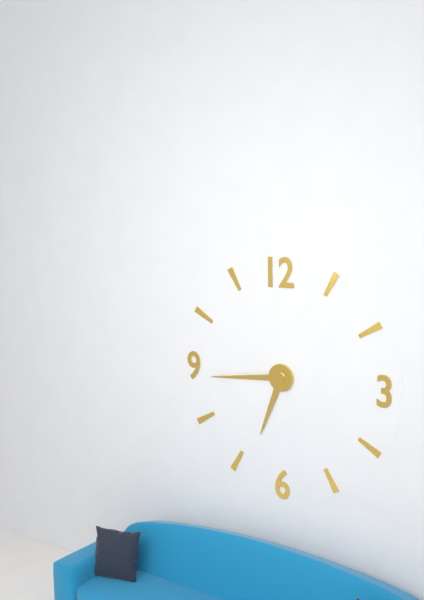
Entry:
6 h 44 min
